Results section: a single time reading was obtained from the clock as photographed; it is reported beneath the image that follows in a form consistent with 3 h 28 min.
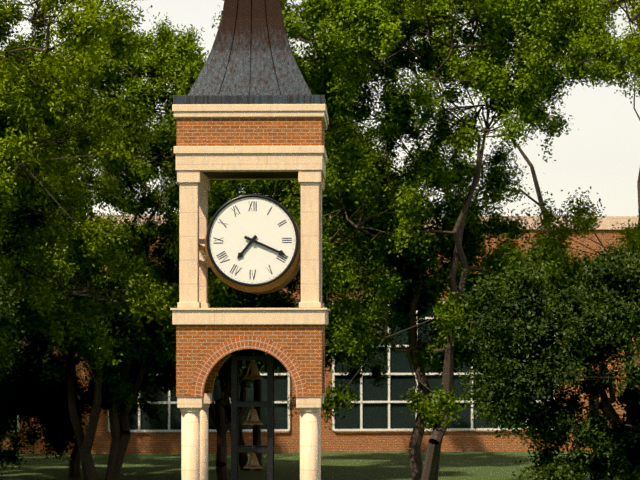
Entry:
7 h 19 min
